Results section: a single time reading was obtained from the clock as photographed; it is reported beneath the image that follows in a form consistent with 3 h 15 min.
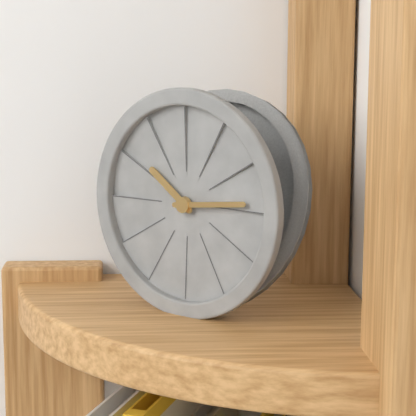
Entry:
10 h 14 min
